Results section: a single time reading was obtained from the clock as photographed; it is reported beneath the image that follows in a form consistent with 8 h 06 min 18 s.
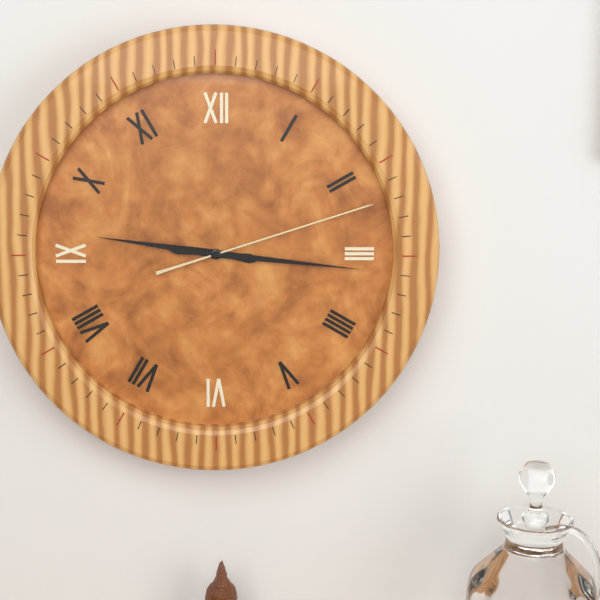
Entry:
9 h 16 min 12 s
